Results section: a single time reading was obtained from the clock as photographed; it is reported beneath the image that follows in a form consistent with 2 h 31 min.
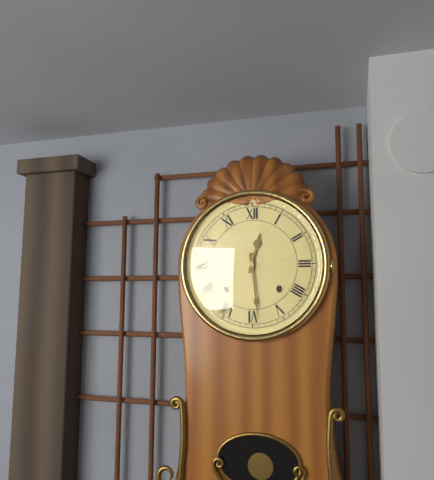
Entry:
12 h 29 min
